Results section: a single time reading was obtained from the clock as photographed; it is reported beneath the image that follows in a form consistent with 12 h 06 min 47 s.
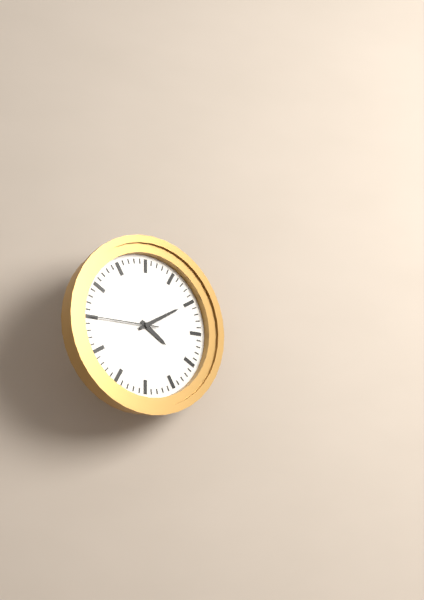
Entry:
4 h 10 min 45 s
